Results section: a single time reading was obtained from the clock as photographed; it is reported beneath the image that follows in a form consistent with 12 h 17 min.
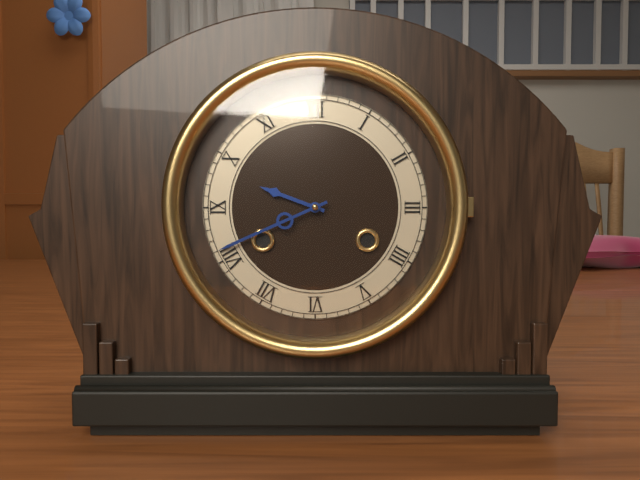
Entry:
9 h 41 min
